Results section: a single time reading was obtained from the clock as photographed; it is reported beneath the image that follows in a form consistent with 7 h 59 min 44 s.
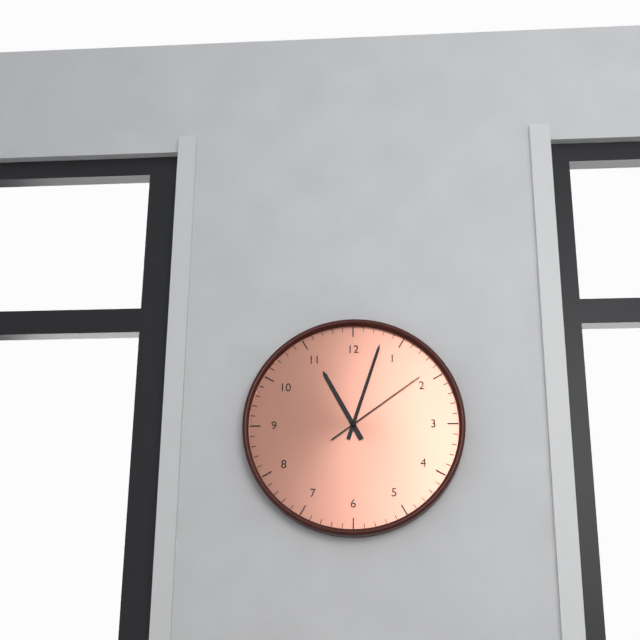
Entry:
11 h 03 min 09 s
